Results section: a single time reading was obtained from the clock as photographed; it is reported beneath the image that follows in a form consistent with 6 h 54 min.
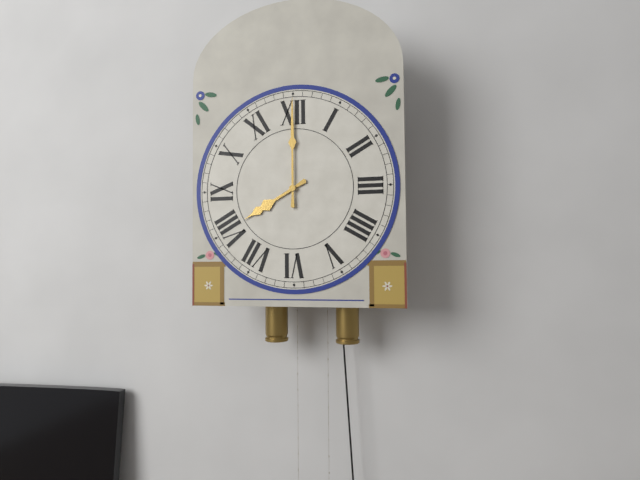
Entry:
8 h 00 min
